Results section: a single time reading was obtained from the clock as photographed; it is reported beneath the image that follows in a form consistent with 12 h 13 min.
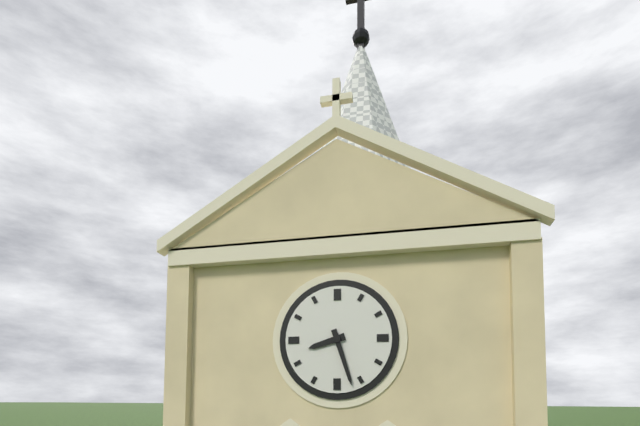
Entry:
8 h 27 min
